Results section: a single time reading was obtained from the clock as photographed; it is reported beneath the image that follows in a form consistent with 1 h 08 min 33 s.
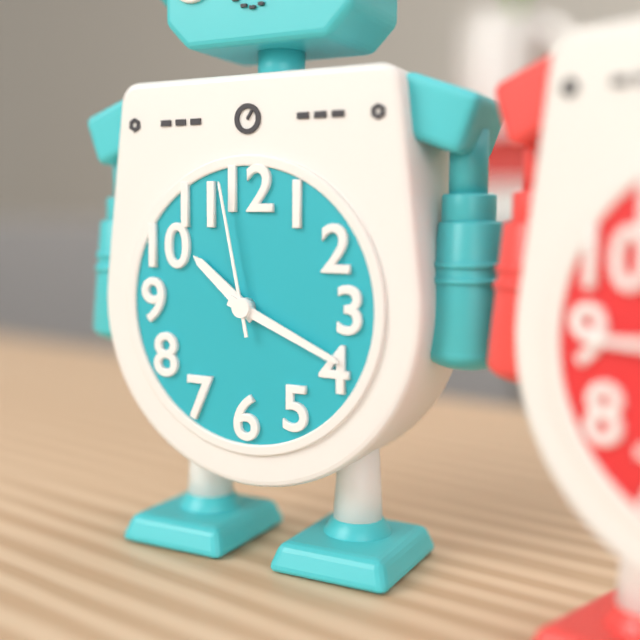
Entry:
10 h 19 min 58 s
